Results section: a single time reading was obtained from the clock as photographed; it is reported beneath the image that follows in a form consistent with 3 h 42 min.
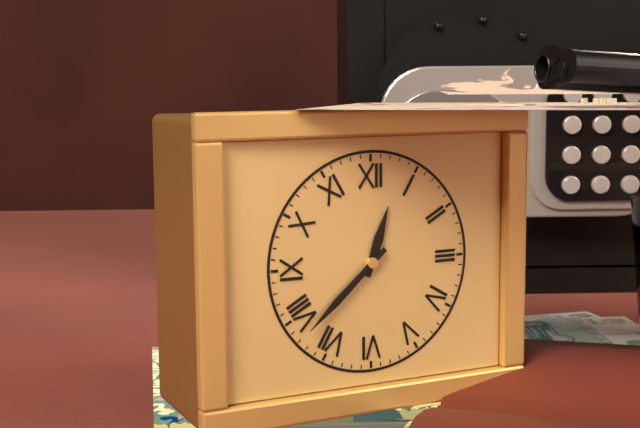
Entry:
12 h 38 min
